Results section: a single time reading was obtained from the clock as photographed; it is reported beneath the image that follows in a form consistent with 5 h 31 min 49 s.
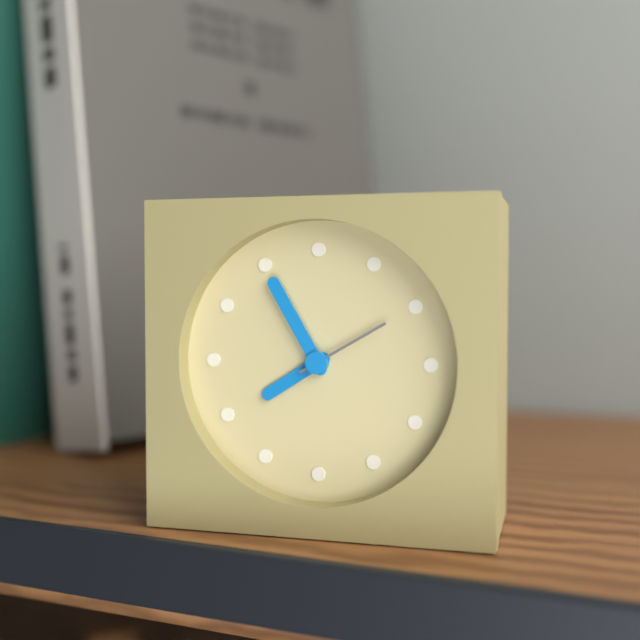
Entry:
7 h 55 min 10 s
